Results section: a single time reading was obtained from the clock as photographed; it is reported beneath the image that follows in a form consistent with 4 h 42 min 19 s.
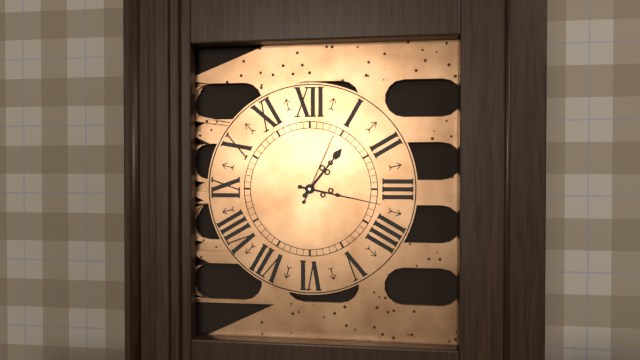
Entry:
1 h 17 min 04 s
